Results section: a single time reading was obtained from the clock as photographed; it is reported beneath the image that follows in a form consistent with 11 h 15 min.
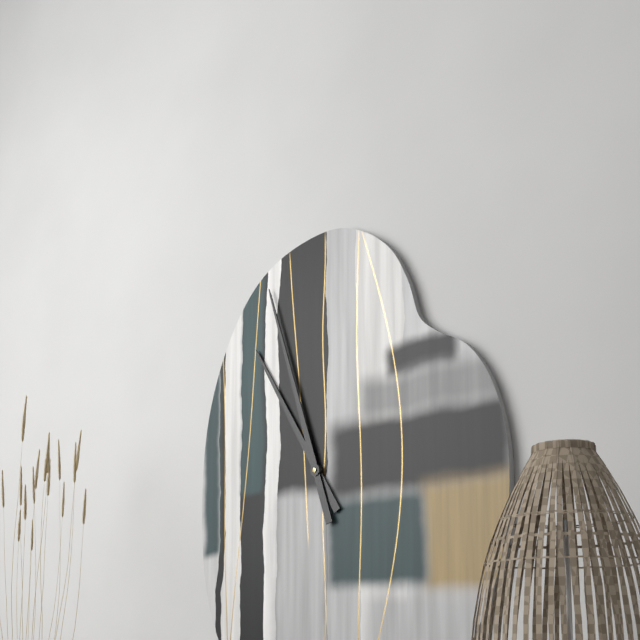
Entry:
10 h 57 min
